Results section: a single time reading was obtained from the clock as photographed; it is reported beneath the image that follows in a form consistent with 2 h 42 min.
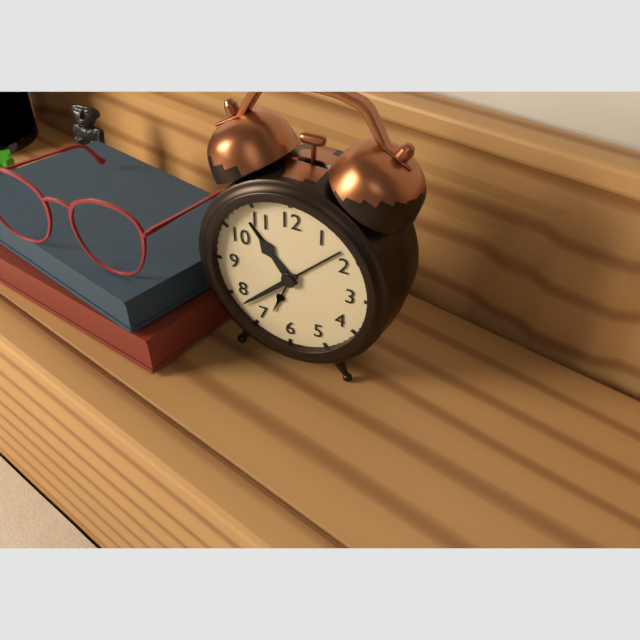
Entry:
10 h 38 min
